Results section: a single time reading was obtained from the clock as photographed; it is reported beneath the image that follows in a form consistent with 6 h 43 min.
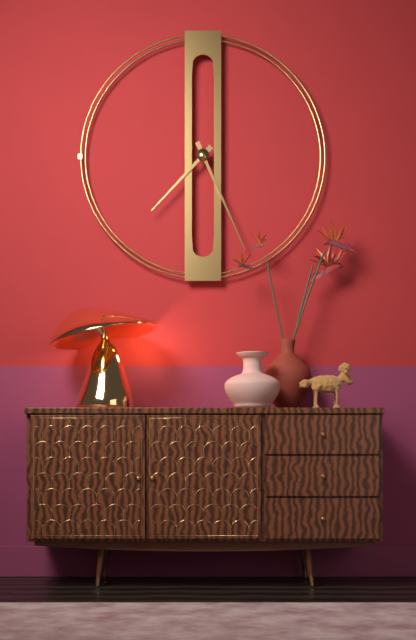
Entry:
7 h 26 min
